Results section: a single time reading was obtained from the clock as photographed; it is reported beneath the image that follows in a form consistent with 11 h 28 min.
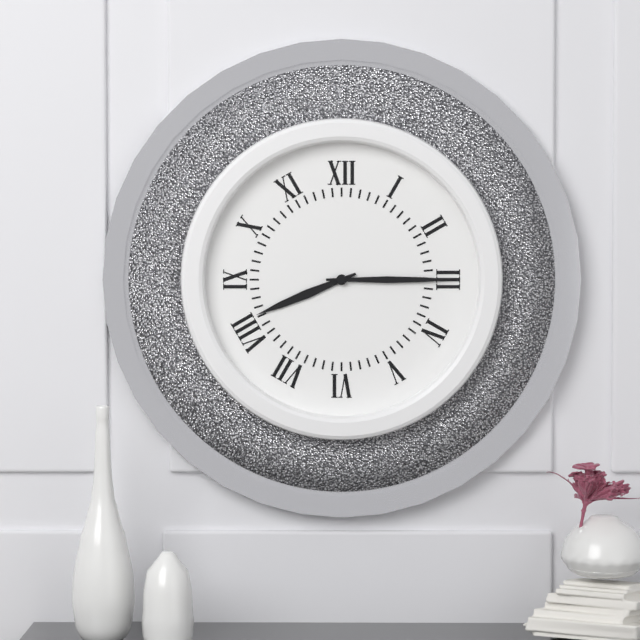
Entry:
8 h 15 min
